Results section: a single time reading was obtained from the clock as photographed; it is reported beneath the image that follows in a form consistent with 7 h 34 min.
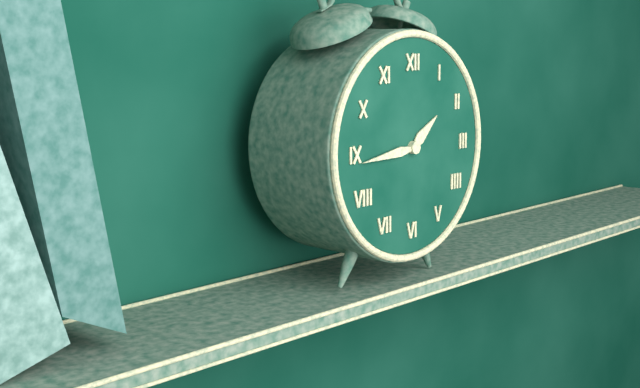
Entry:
1 h 44 min
